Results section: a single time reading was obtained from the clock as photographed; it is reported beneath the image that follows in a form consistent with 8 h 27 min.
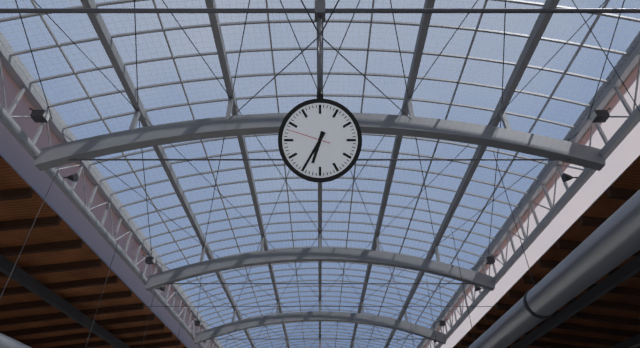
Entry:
6 h 35 min
